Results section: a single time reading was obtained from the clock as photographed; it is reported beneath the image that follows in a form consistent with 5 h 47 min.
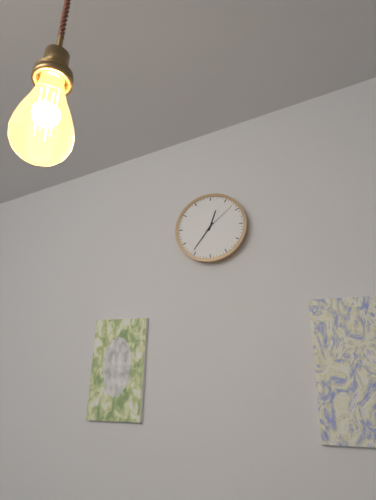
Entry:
12 h 36 min
